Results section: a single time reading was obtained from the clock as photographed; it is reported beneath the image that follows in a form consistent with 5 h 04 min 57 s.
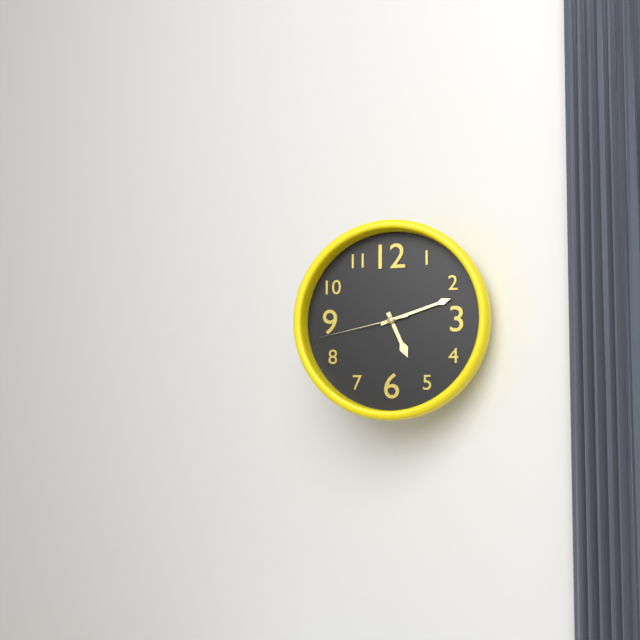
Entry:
5 h 12 min 43 s
